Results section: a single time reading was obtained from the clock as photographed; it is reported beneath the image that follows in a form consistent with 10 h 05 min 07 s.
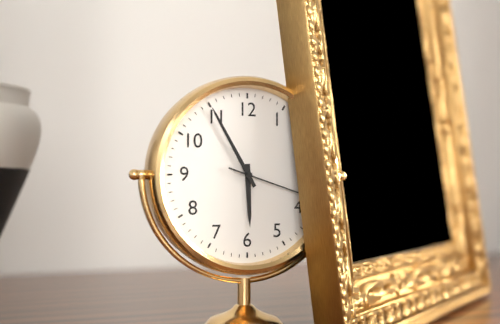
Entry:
5 h 55 min 18 s
